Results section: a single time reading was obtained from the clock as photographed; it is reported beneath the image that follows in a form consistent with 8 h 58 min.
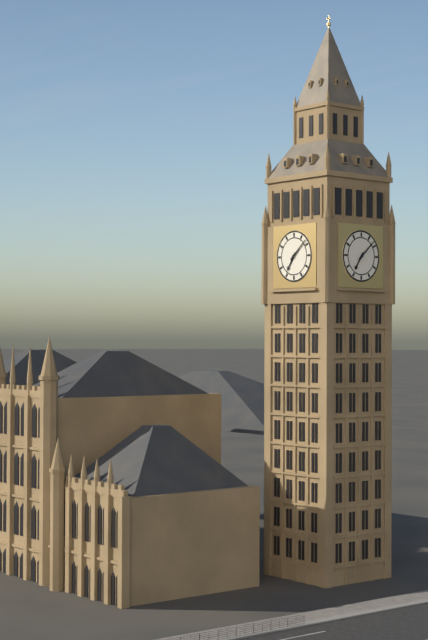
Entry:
7 h 08 min
